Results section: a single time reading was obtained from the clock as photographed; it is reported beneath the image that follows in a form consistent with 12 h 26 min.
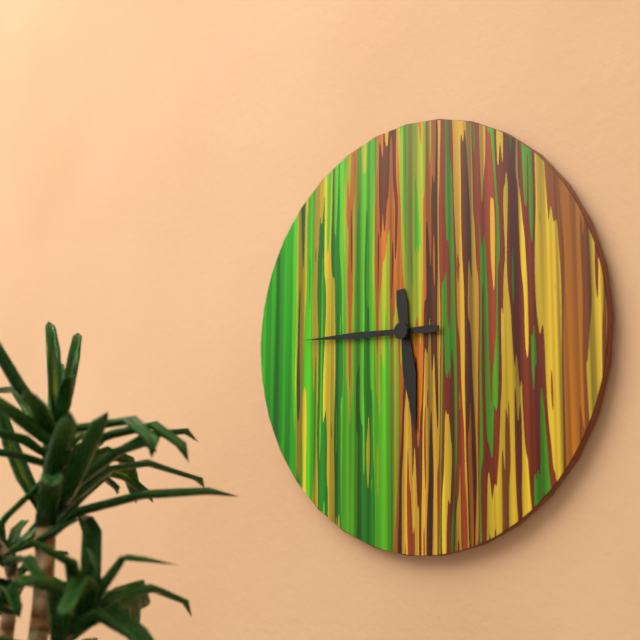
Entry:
5 h 45 min
